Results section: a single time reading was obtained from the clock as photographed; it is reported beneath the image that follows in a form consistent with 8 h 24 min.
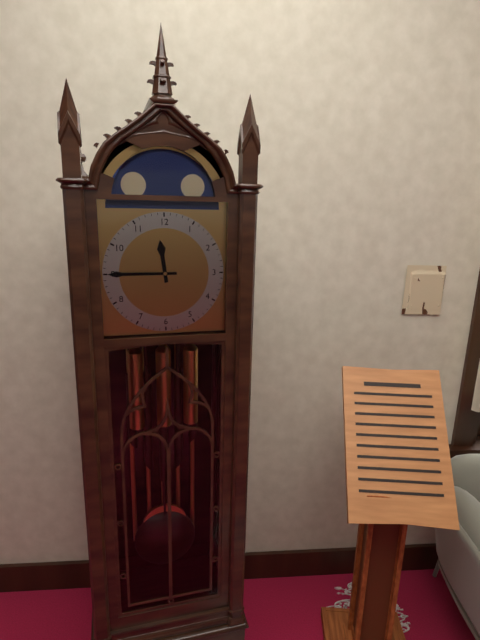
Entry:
11 h 45 min
